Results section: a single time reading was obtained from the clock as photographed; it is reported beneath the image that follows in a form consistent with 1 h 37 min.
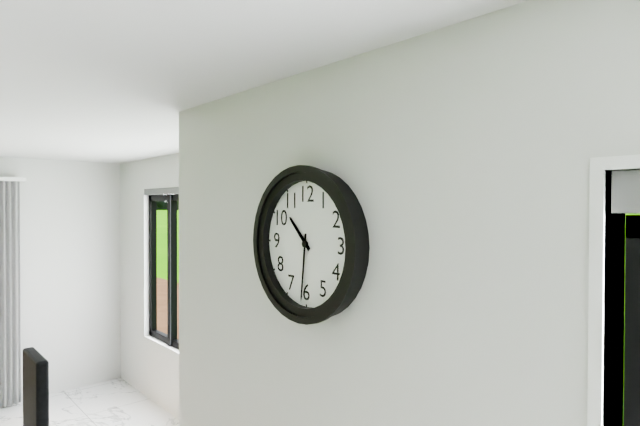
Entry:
10 h 31 min
